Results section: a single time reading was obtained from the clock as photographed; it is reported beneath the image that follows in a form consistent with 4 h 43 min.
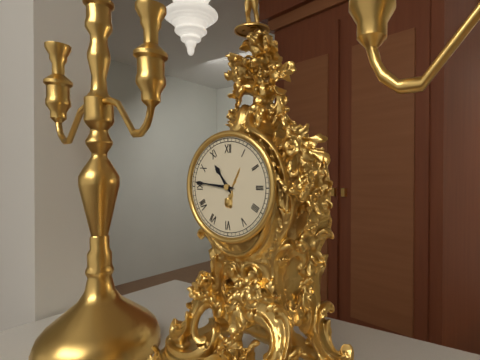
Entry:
10 h 46 min
